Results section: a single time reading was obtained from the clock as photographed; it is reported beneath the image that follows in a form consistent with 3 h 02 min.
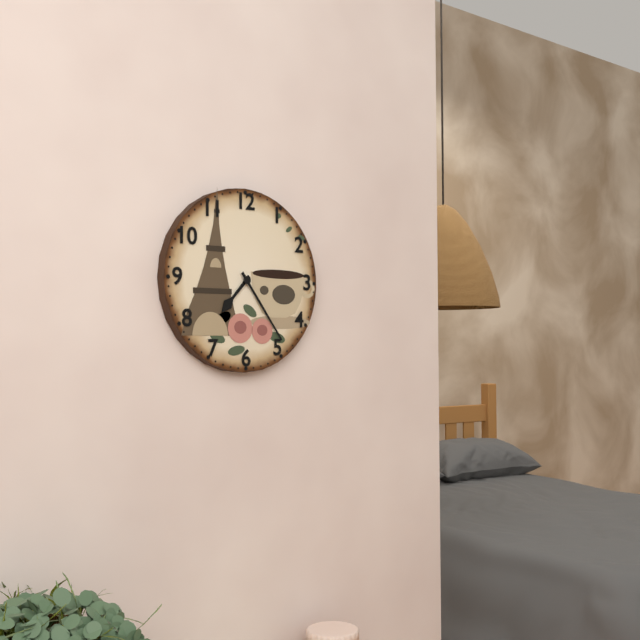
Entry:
7 h 24 min
